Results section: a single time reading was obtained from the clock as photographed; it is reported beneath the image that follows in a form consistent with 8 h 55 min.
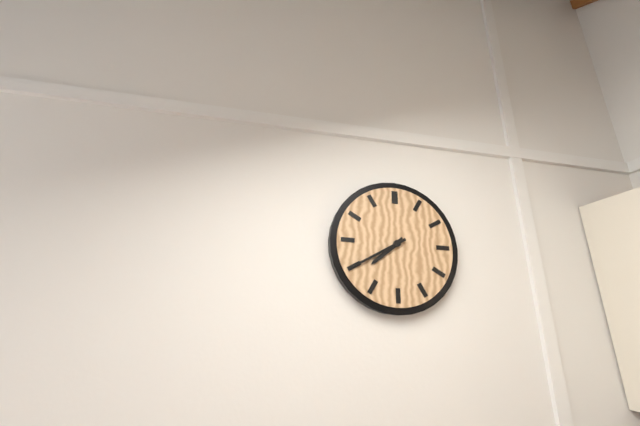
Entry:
7 h 40 min
